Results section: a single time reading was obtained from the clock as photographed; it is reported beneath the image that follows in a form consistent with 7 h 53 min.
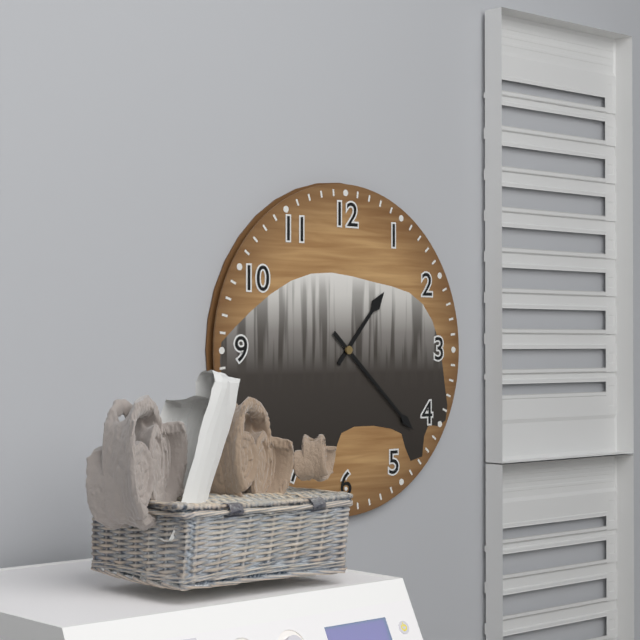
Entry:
1 h 22 min
